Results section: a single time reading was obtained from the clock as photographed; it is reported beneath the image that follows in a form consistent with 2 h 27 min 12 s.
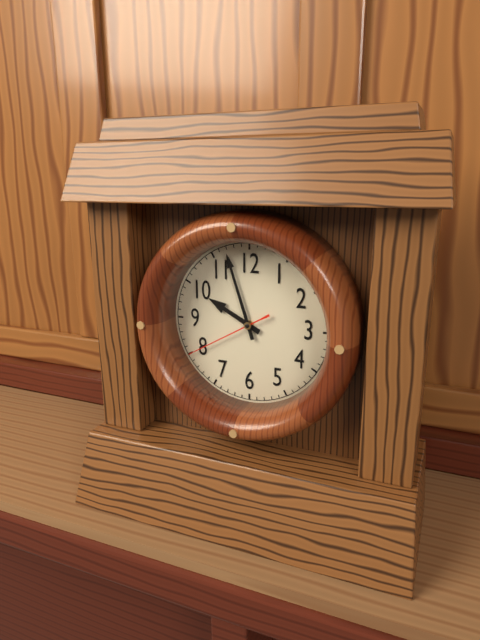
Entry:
9 h 57 min 40 s
